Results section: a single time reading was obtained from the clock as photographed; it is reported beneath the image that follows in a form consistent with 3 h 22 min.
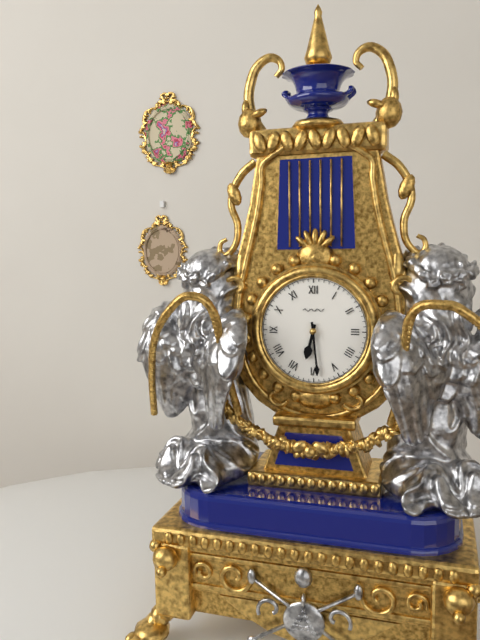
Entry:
6 h 29 min
